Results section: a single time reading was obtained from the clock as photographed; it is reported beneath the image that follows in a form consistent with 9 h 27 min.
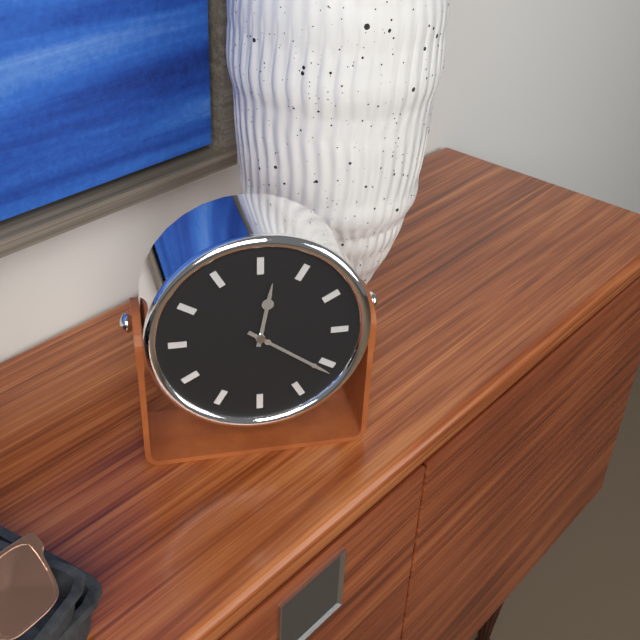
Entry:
12 h 21 min
